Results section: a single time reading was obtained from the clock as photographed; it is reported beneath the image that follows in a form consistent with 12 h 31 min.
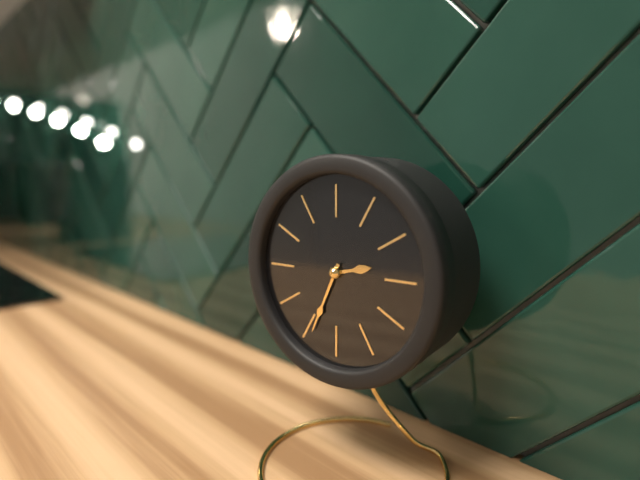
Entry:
2 h 34 min
